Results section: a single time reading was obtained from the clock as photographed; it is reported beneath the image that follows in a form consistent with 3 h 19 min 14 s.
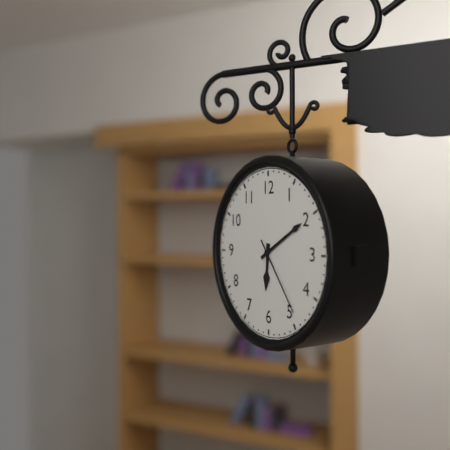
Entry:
6 h 10 min 24 s
